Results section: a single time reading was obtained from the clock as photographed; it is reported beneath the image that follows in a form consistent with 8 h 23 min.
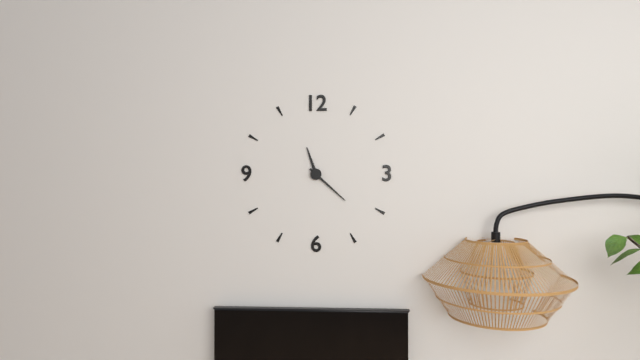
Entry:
11 h 22 min
